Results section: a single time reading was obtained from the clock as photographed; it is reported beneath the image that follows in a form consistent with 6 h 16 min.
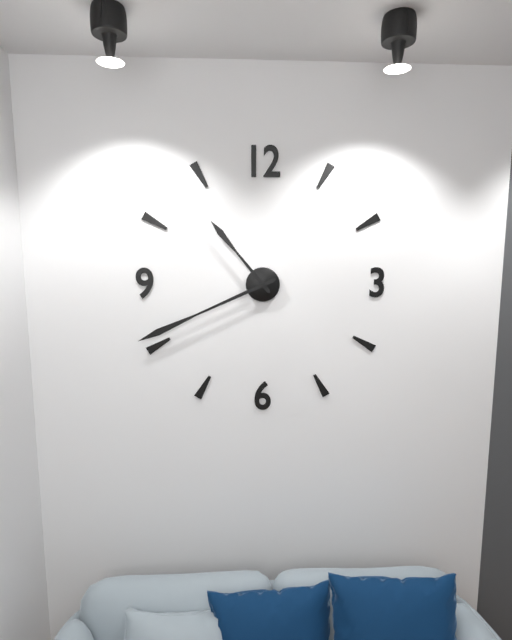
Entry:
10 h 41 min
